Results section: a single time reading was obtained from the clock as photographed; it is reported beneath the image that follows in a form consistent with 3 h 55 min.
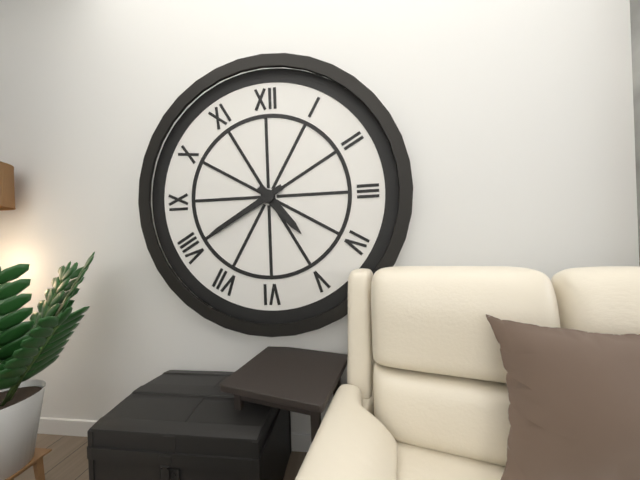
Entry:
4 h 40 min
